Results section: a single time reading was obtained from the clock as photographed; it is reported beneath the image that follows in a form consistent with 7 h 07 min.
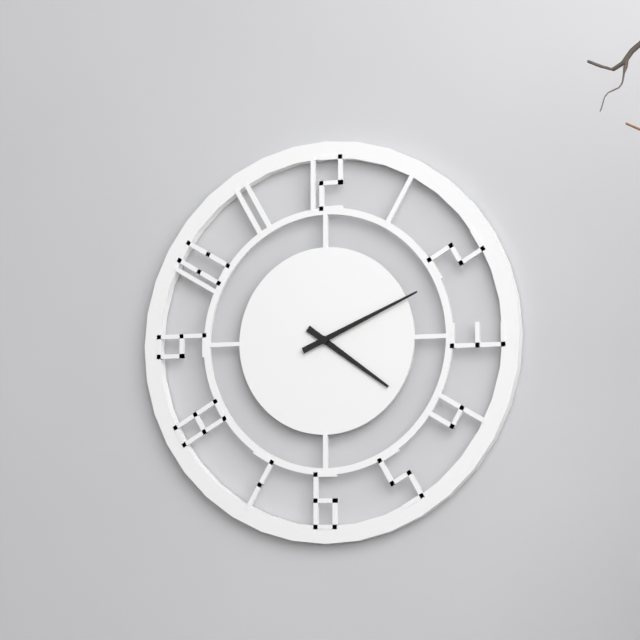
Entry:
4 h 11 min
